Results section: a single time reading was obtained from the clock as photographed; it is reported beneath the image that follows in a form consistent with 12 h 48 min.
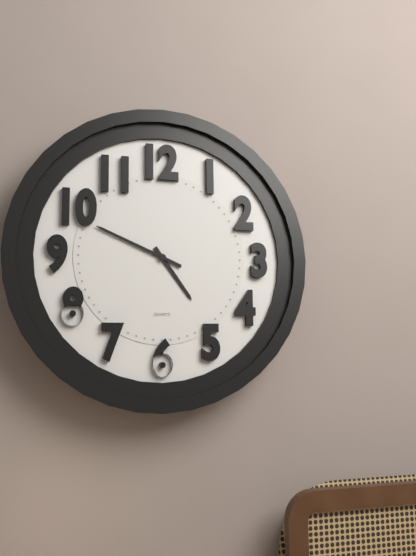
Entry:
4 h 49 min
